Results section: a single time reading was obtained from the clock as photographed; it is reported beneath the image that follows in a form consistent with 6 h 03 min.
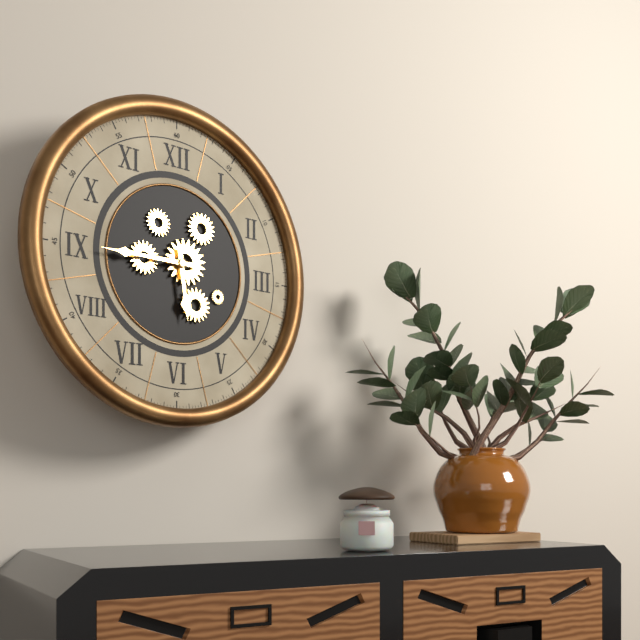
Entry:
5 h 45 min
